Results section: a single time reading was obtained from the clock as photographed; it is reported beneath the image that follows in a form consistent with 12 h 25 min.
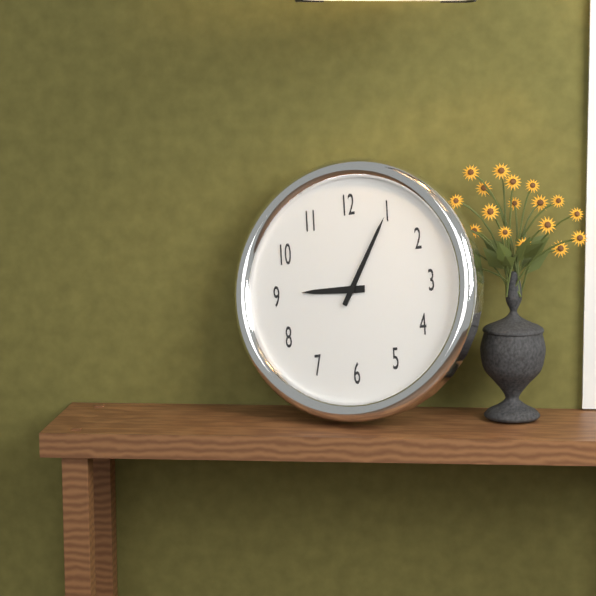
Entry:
9 h 05 min
